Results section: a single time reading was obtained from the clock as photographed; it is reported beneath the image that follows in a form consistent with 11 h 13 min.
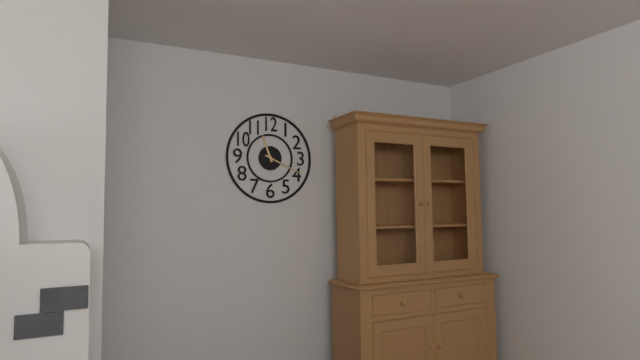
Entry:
11 h 19 min
